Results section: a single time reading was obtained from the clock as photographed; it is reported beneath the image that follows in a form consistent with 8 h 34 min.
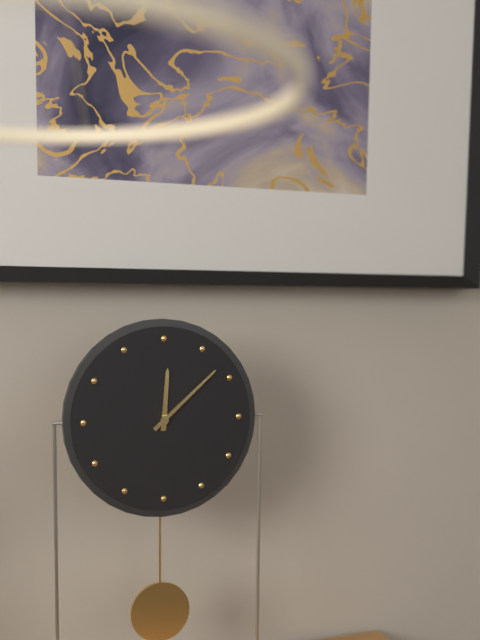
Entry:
12 h 08 min
